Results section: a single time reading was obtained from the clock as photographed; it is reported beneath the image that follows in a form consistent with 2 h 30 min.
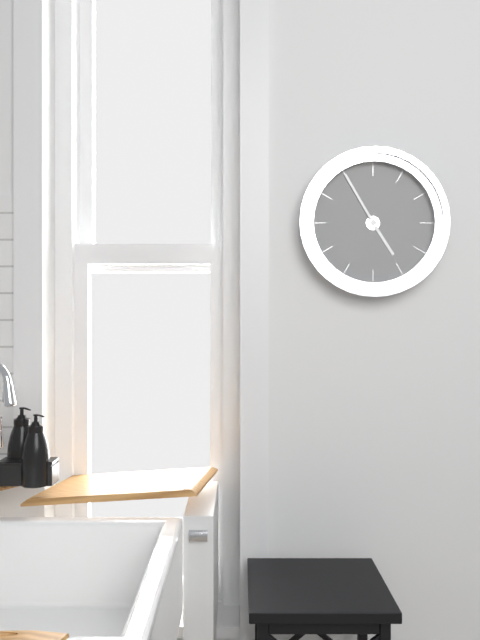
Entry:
4 h 55 min
